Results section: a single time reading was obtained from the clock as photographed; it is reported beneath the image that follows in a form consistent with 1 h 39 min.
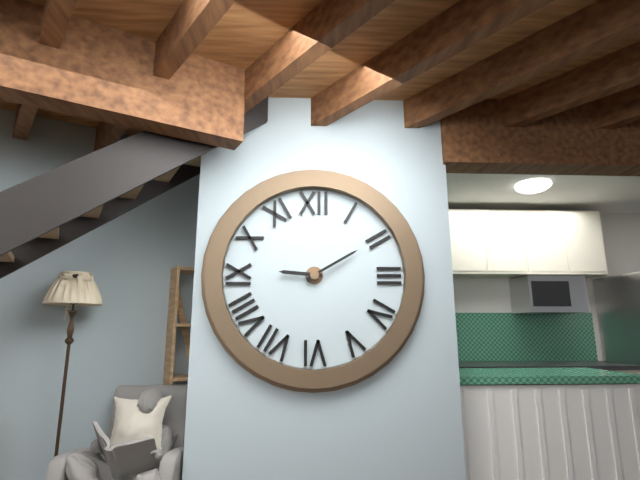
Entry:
9 h 10 min
